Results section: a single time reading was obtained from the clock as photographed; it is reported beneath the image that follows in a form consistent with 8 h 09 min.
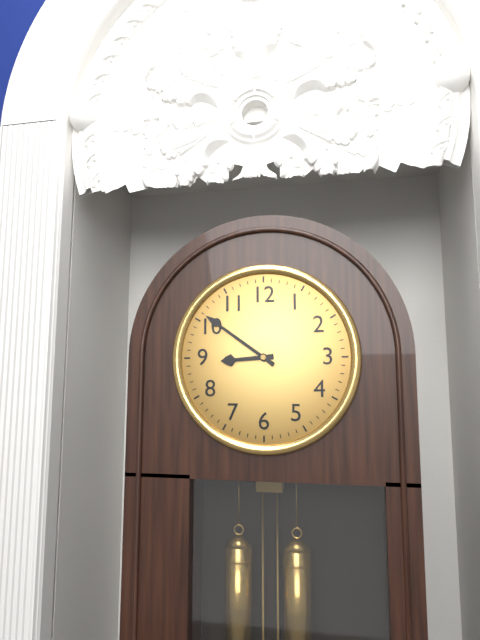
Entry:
8 h 51 min
